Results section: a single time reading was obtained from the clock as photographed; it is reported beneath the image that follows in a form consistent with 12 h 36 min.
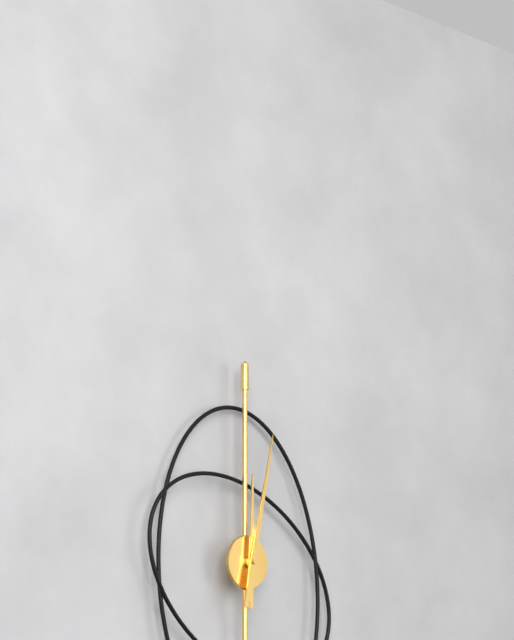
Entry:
12 h 02 min
